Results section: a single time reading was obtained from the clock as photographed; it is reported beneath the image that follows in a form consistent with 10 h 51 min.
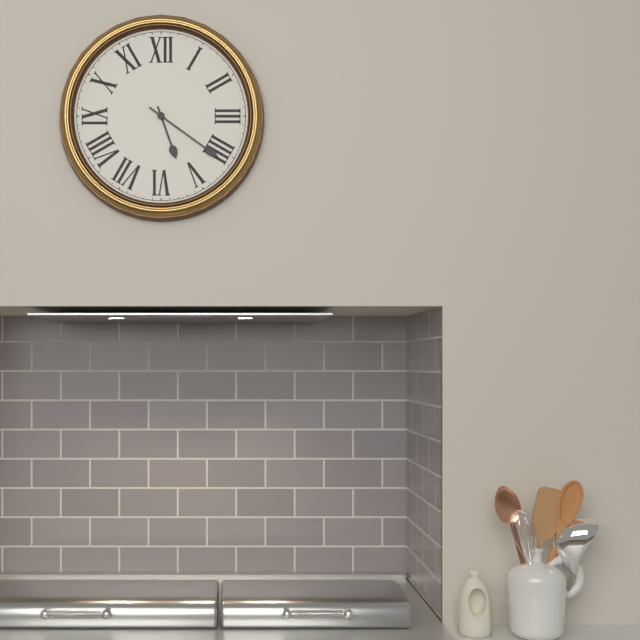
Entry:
5 h 21 min
